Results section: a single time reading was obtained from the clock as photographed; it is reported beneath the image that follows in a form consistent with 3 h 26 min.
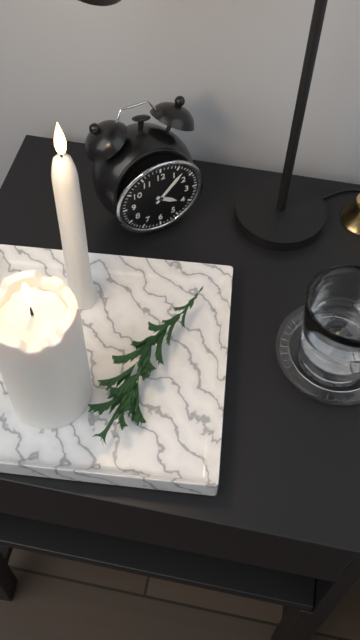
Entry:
4 h 07 min
